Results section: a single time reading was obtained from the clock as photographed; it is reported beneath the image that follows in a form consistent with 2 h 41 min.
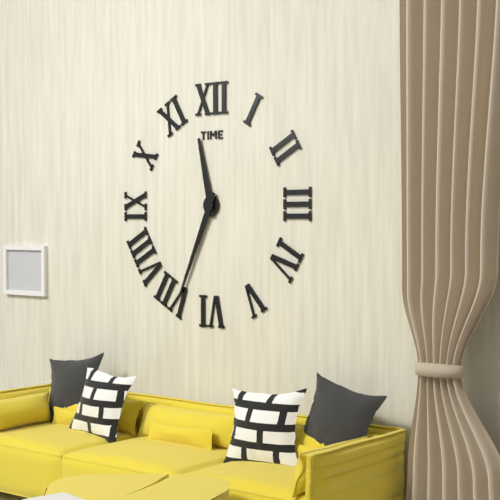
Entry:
11 h 34 min
